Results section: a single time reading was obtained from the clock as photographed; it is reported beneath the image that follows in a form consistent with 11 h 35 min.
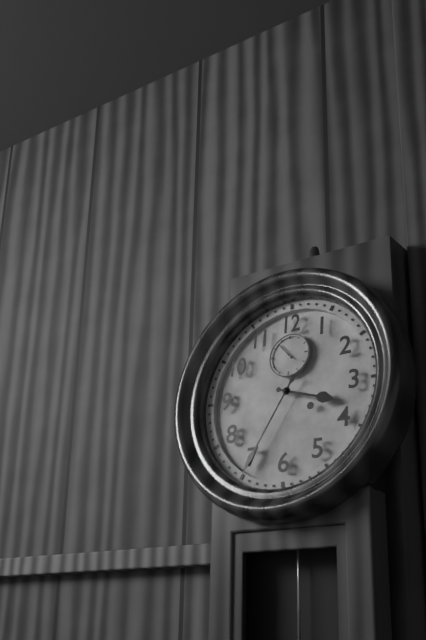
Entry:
3 h 35 min
